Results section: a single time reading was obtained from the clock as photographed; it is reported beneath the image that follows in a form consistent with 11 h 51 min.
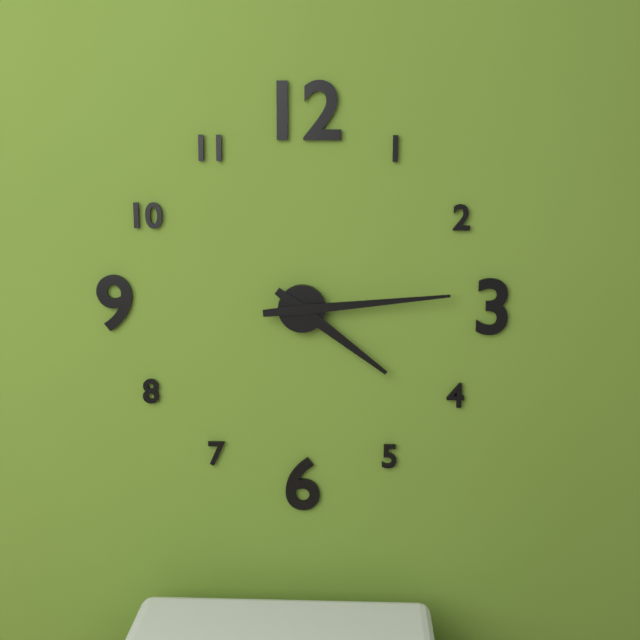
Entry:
4 h 14 min
